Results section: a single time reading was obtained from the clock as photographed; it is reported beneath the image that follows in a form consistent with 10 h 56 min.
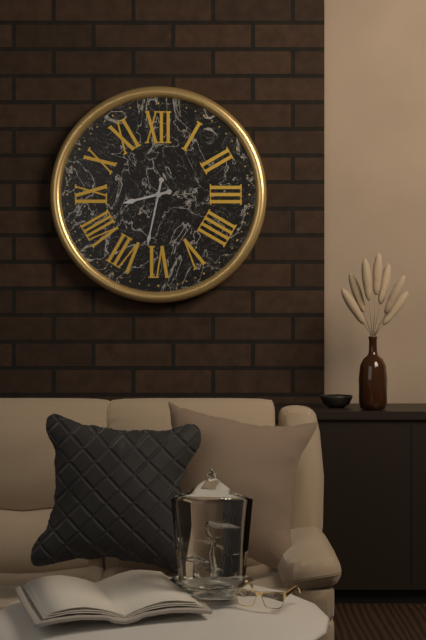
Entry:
8 h 32 min
